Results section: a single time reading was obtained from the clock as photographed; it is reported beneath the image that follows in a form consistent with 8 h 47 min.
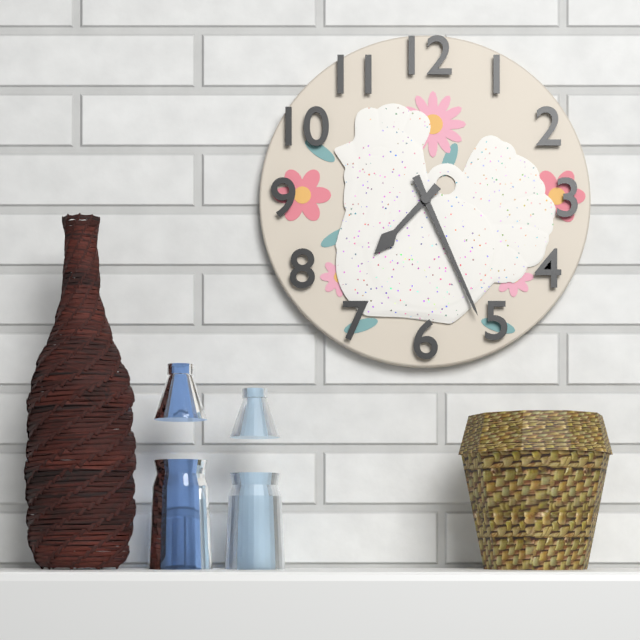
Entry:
7 h 26 min
